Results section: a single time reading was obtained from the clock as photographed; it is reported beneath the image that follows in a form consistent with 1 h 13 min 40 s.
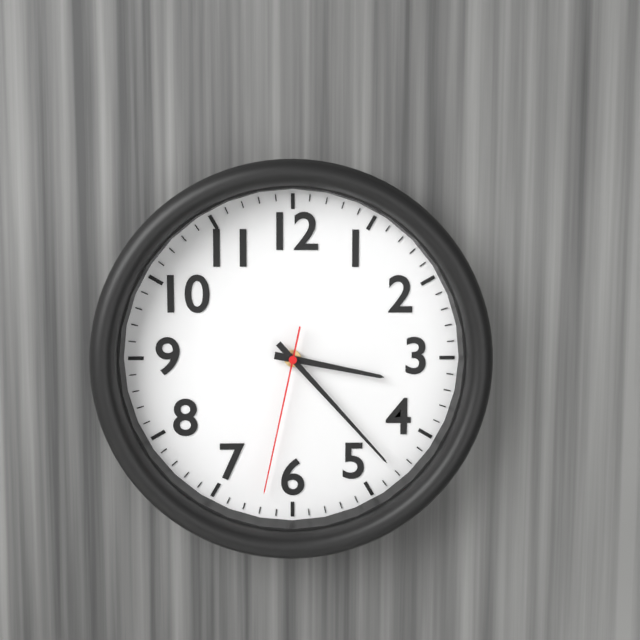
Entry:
3 h 23 min 32 s
